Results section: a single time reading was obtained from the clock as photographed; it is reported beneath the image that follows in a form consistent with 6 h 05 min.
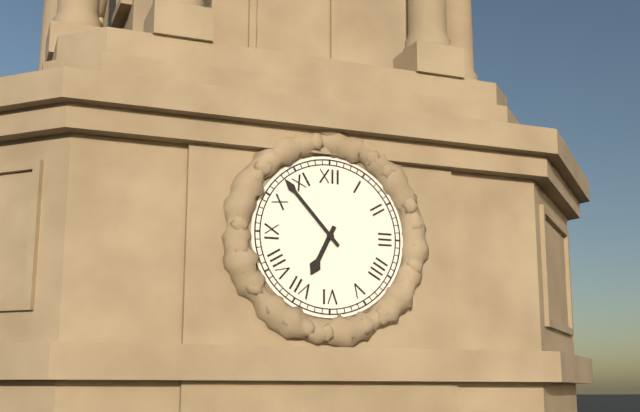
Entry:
6 h 53 min
